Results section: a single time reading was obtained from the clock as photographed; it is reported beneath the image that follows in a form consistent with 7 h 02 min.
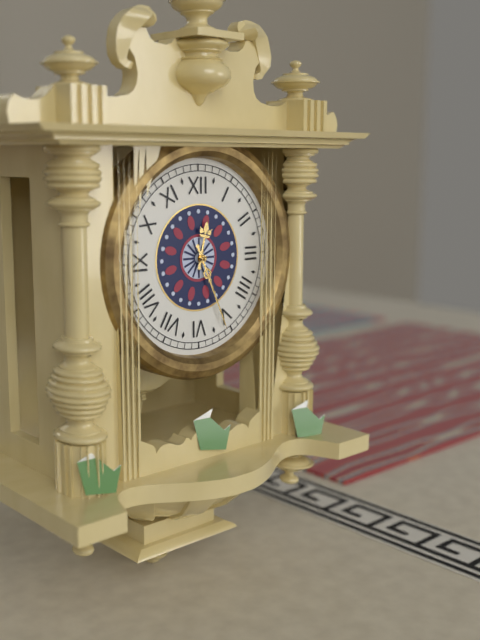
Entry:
12 h 26 min
